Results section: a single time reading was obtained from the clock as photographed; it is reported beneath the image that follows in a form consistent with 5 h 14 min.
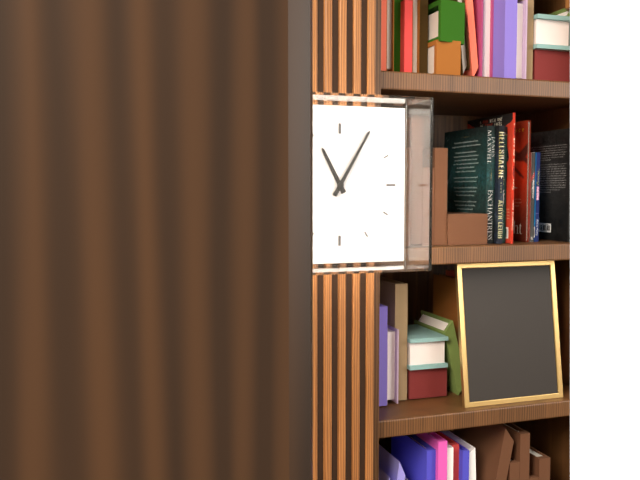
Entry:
11 h 05 min
